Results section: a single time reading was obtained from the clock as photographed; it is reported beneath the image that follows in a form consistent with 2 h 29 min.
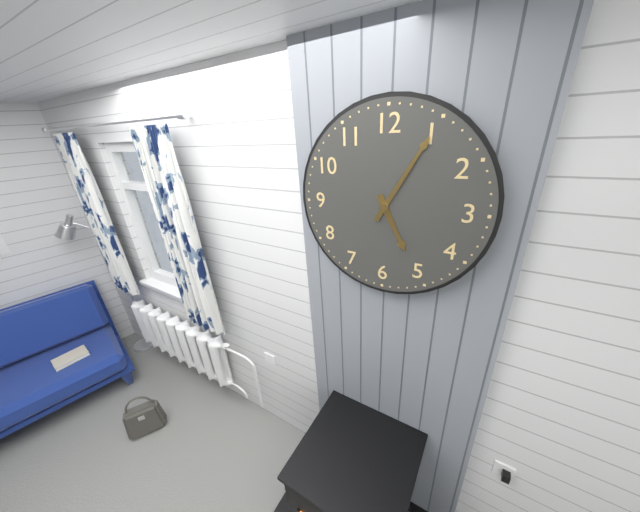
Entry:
5 h 05 min
